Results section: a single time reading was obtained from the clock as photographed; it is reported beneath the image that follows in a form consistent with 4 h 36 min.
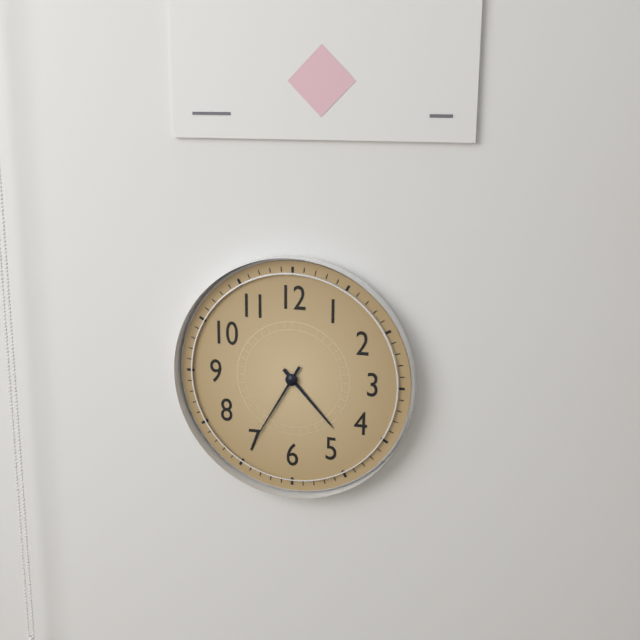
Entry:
4 h 35 min
